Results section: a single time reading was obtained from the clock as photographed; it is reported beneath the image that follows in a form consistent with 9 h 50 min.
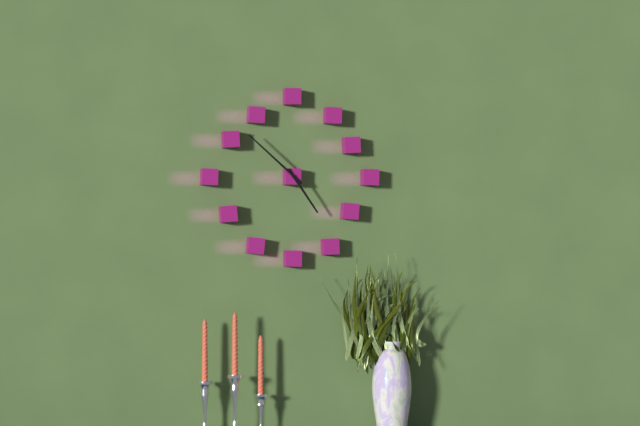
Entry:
4 h 52 min
